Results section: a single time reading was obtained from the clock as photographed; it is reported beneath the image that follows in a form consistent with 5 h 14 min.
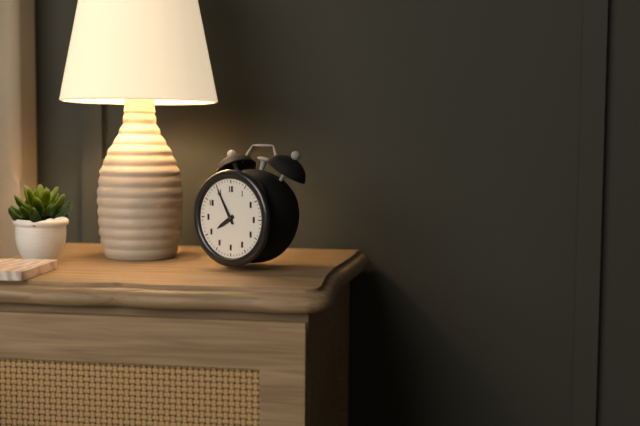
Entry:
7 h 55 min
